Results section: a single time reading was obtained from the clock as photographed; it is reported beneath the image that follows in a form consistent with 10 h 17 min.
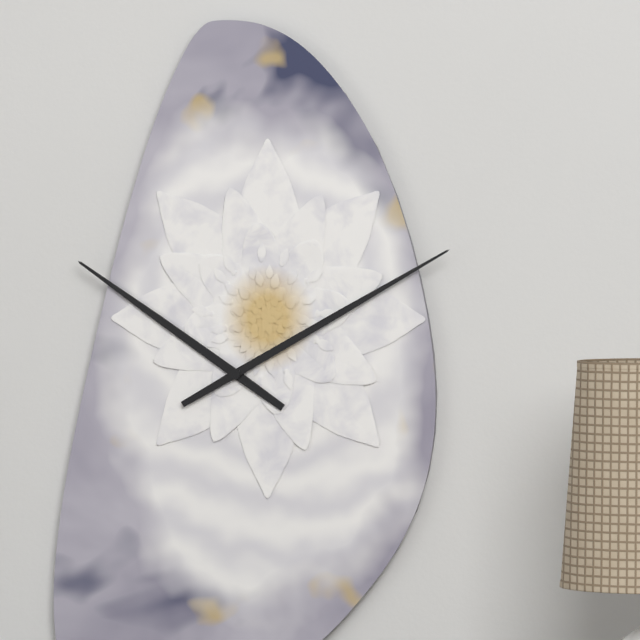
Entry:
10 h 10 min
